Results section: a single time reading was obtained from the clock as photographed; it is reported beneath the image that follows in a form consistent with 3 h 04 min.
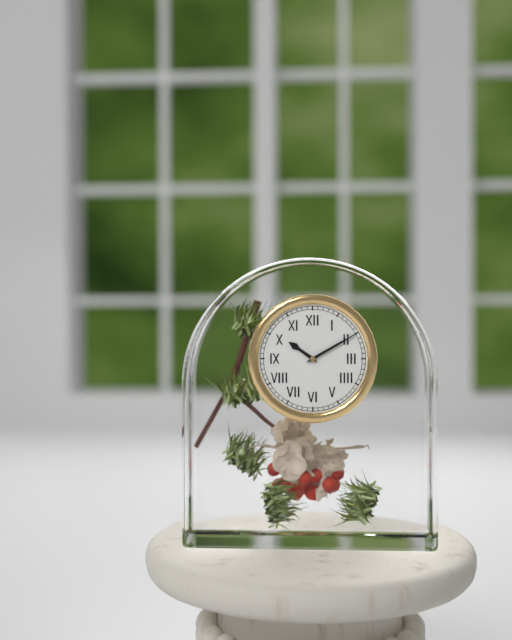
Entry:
10 h 10 min
